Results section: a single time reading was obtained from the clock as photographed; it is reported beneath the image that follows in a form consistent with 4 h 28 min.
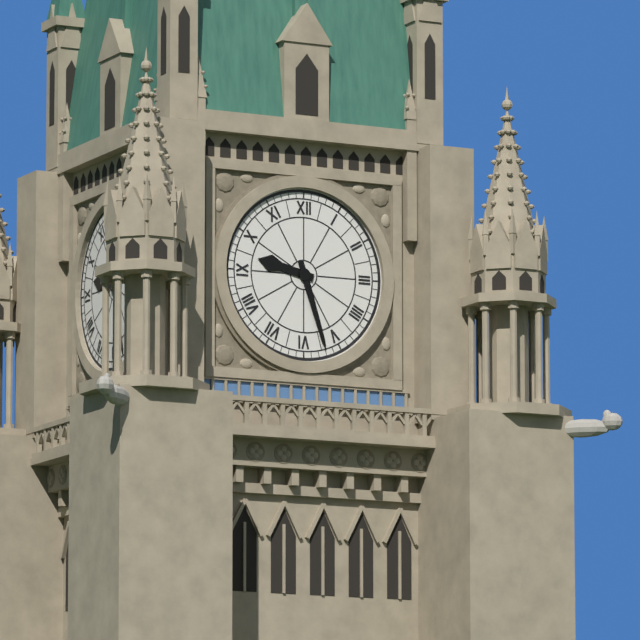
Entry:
9 h 27 min
